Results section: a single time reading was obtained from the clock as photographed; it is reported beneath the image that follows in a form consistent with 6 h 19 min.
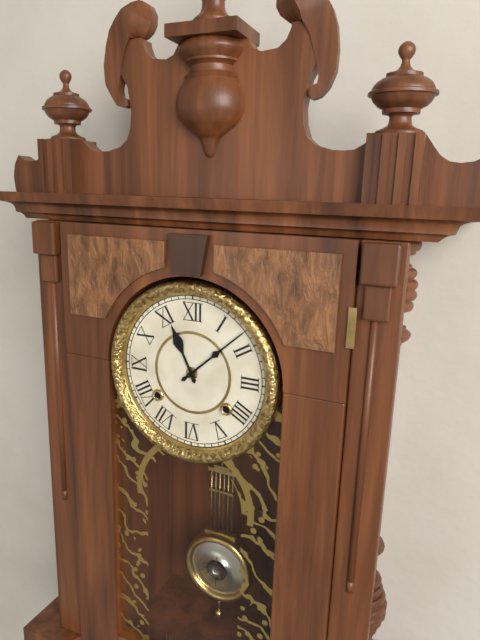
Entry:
11 h 08 min
